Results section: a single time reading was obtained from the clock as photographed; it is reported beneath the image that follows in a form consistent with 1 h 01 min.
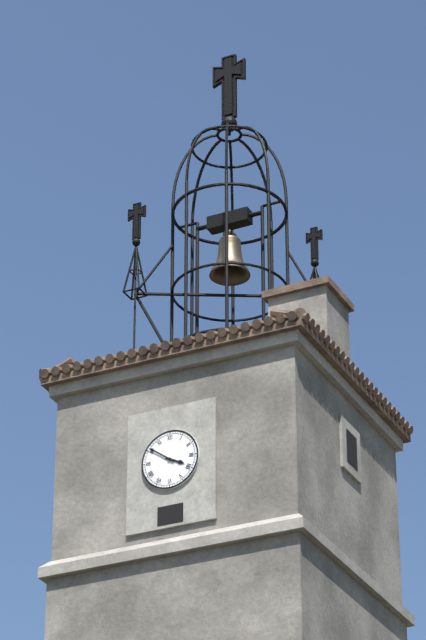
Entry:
3 h 51 min
